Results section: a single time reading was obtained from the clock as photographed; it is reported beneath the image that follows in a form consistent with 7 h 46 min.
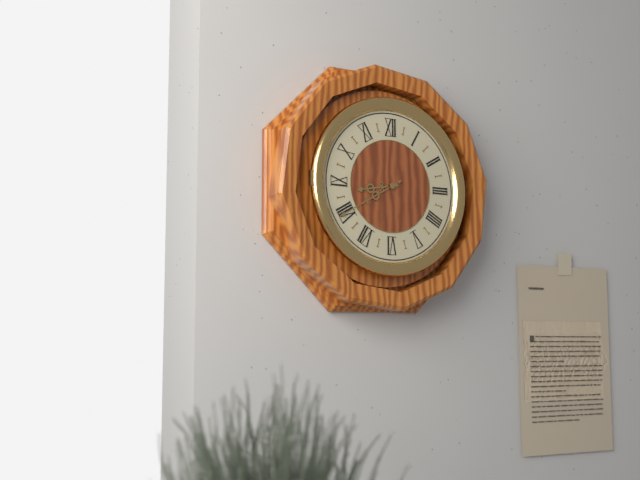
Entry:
8 h 40 min
